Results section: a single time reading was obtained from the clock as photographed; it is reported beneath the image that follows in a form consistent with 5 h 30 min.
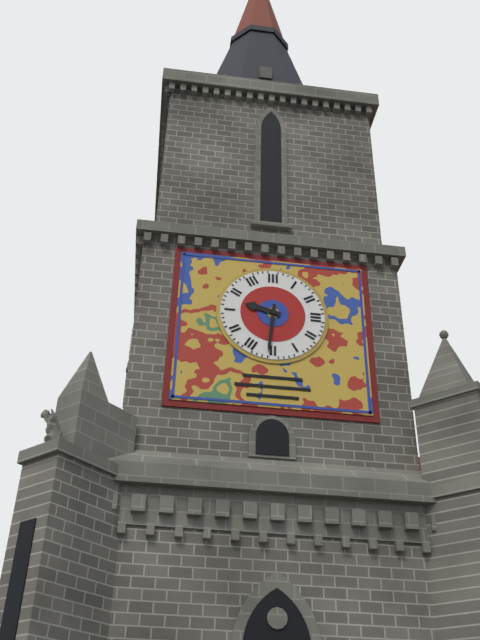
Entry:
9 h 31 min
